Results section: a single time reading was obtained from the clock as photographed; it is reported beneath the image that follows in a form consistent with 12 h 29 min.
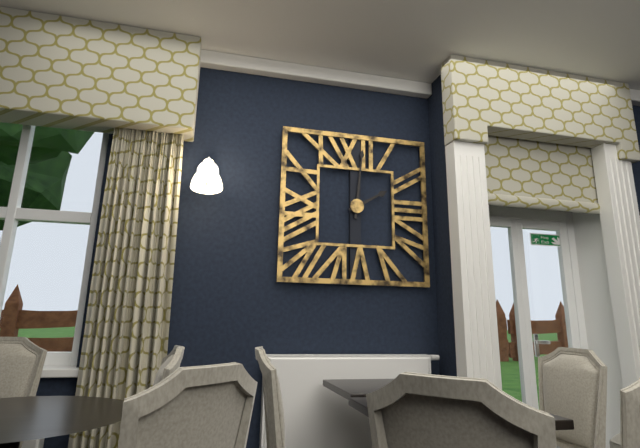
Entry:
2 h 01 min
